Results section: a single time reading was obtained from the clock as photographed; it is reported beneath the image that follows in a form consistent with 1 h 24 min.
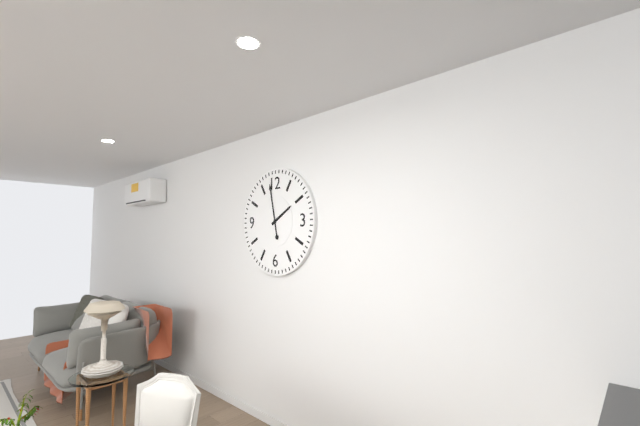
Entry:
1 h 58 min
